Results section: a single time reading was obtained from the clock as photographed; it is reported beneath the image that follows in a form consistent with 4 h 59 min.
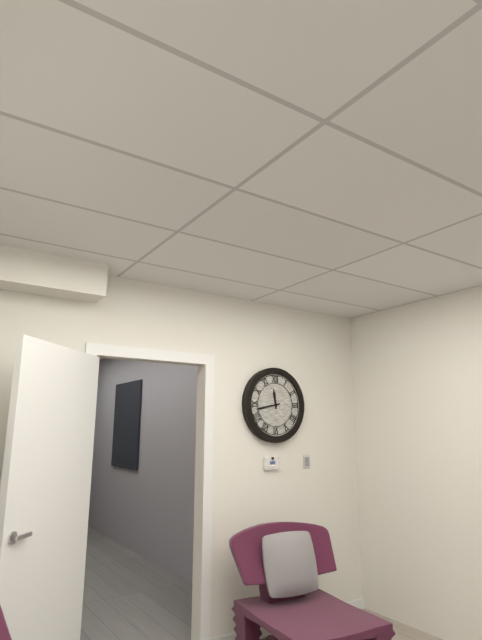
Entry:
11 h 43 min
